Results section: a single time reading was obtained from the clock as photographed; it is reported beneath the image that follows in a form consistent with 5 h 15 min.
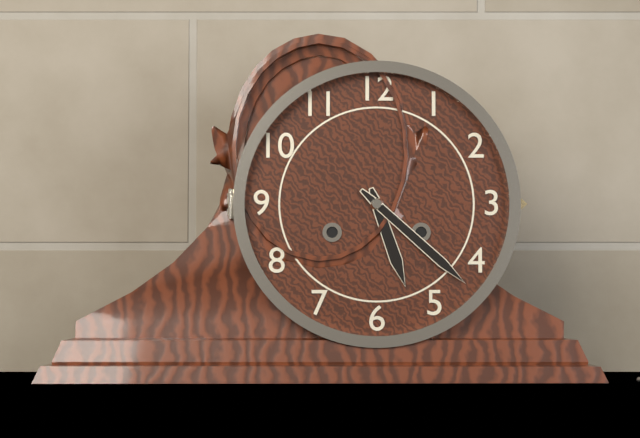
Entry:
5 h 22 min
